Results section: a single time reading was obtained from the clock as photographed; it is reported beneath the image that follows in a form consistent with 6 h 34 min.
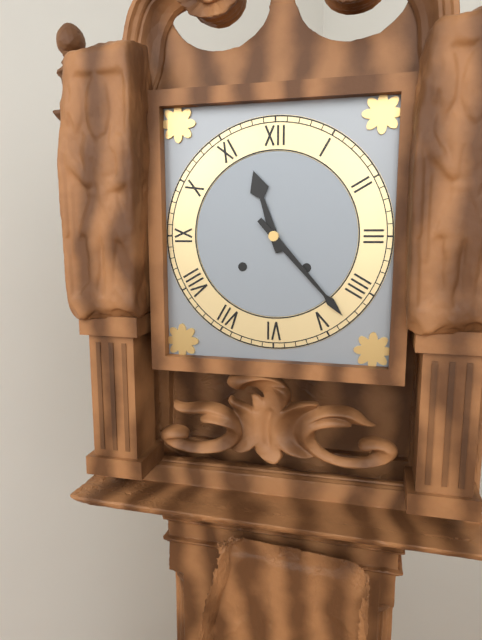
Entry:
11 h 23 min
